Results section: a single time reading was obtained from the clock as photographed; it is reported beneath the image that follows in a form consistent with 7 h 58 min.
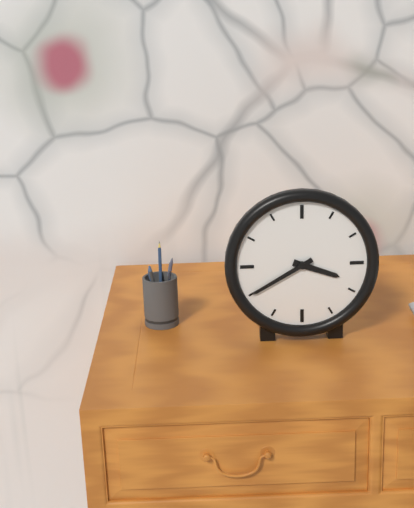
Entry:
3 h 40 min
